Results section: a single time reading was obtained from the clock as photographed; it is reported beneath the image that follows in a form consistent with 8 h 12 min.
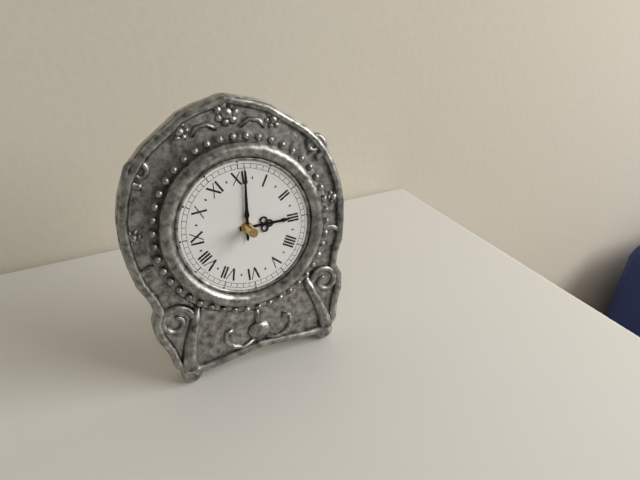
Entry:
3 h 01 min
